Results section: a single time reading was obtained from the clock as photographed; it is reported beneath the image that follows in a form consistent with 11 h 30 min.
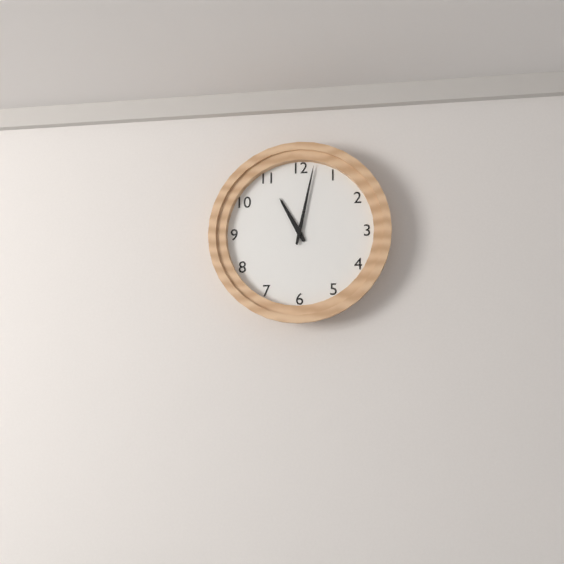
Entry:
11 h 02 min
